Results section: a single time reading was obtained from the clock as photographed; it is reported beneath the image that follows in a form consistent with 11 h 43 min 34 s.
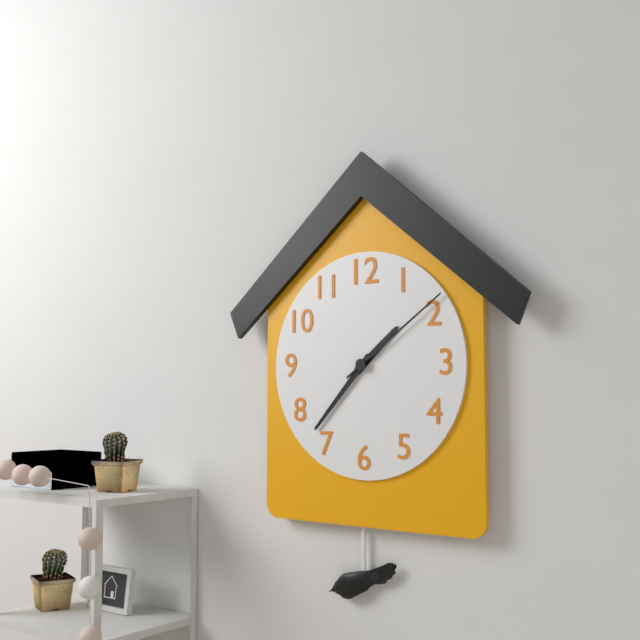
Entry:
1 h 37 min 09 s
